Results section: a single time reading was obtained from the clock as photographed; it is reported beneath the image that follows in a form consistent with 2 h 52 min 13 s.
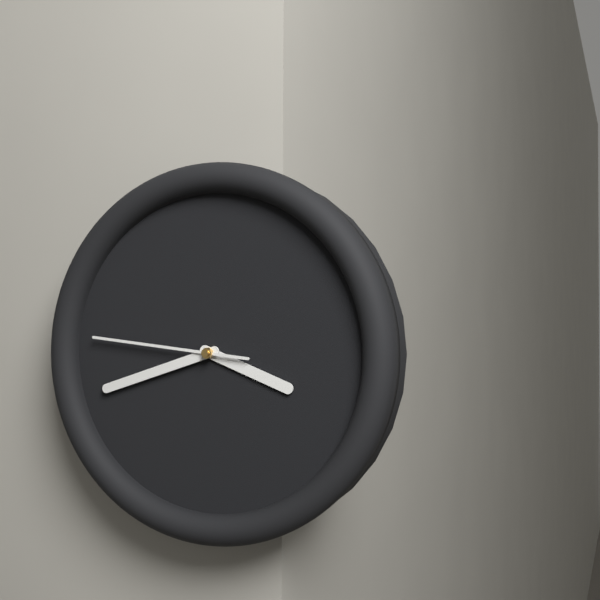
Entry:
3 h 42 min 46 s
